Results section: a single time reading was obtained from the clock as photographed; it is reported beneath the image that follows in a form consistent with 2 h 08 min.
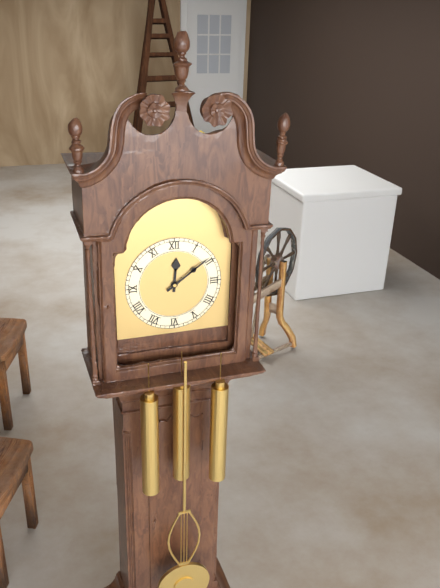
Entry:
12 h 09 min
